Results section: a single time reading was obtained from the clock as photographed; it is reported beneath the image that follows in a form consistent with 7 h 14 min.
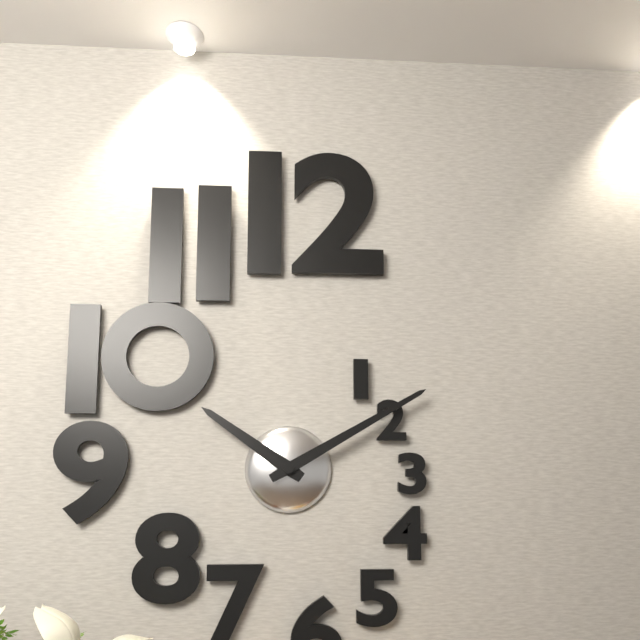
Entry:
10 h 10 min
